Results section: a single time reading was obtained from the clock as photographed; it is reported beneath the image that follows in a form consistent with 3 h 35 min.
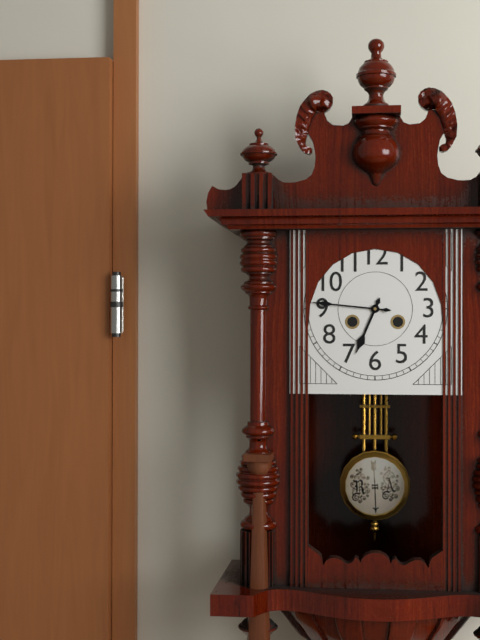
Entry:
6 h 46 min
